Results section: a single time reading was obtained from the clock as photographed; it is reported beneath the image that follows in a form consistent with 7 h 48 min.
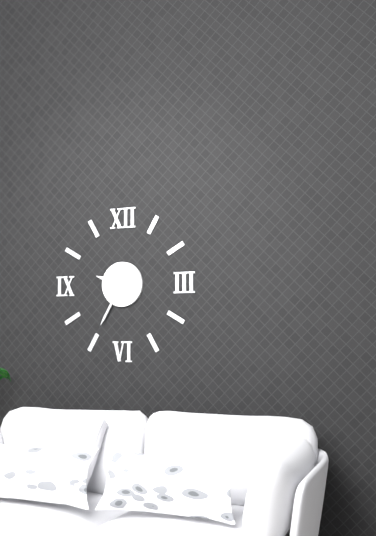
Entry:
9 h 35 min
